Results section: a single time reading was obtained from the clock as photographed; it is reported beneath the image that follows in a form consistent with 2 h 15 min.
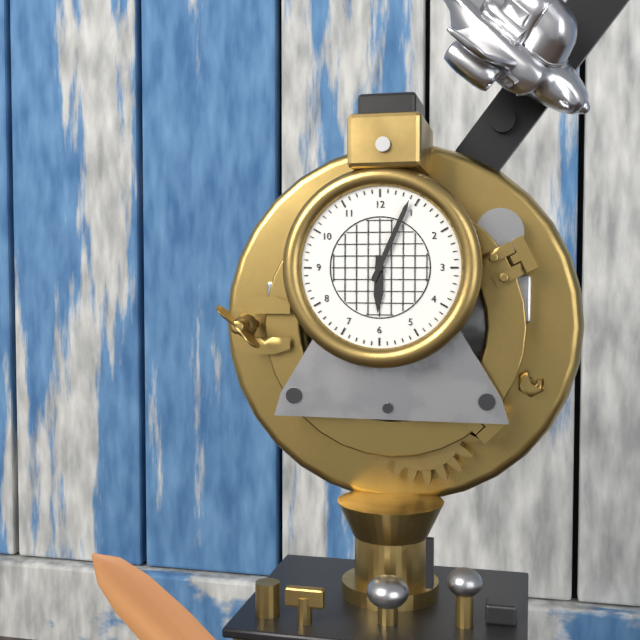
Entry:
6 h 04 min
